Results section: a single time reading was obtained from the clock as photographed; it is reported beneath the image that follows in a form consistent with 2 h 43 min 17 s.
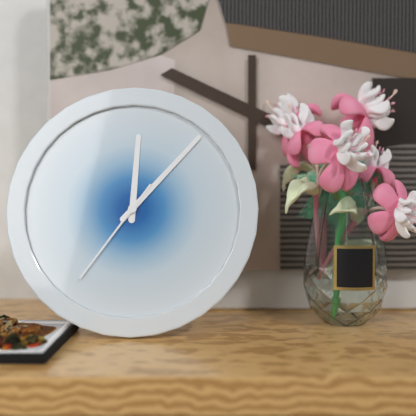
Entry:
12 h 07 min 36 s
